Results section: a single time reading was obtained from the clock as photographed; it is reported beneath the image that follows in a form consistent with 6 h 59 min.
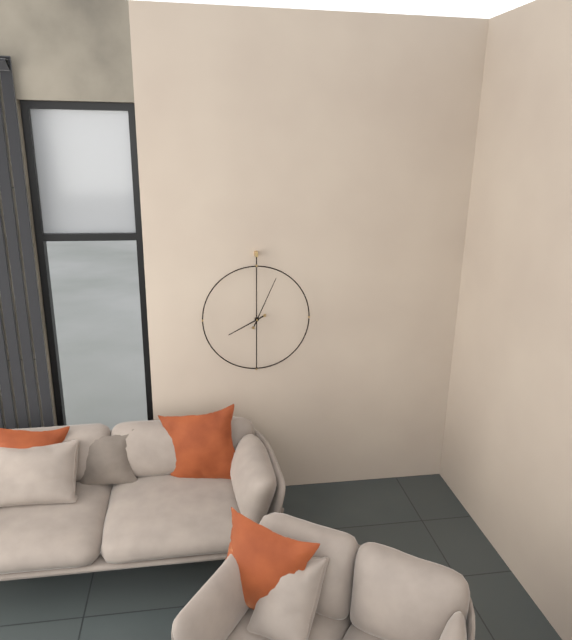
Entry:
8 h 04 min
